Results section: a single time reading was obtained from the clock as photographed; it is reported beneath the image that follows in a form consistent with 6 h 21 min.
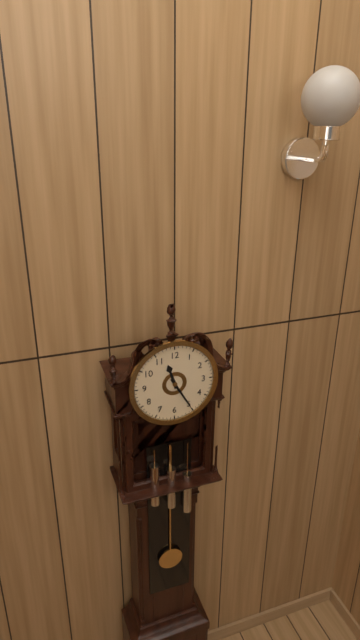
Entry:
11 h 25 min
